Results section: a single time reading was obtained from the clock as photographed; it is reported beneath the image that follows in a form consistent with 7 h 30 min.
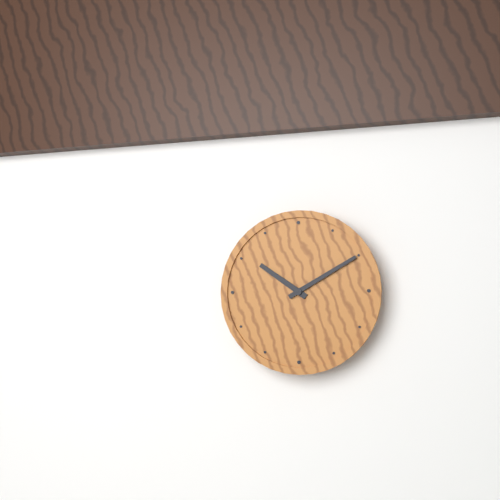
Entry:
10 h 10 min
